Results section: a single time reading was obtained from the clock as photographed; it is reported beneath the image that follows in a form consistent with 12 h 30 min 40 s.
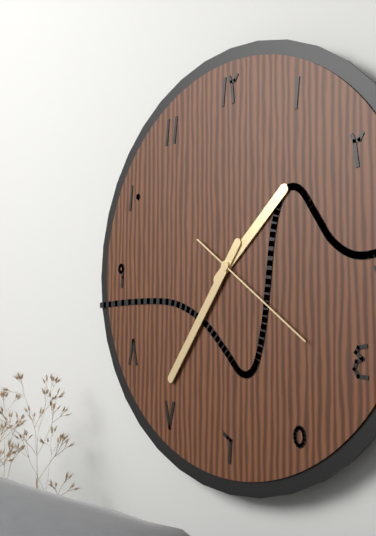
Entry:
1 h 36 min 21 s
